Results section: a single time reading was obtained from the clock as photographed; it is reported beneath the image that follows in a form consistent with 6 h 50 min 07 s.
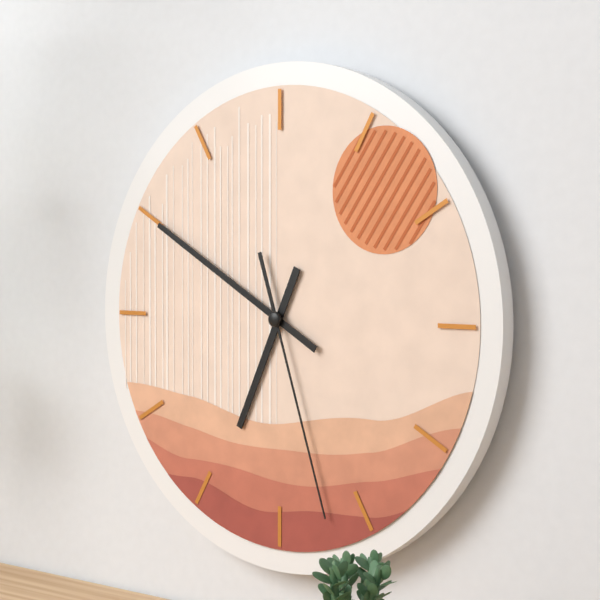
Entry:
6 h 50 min 27 s
